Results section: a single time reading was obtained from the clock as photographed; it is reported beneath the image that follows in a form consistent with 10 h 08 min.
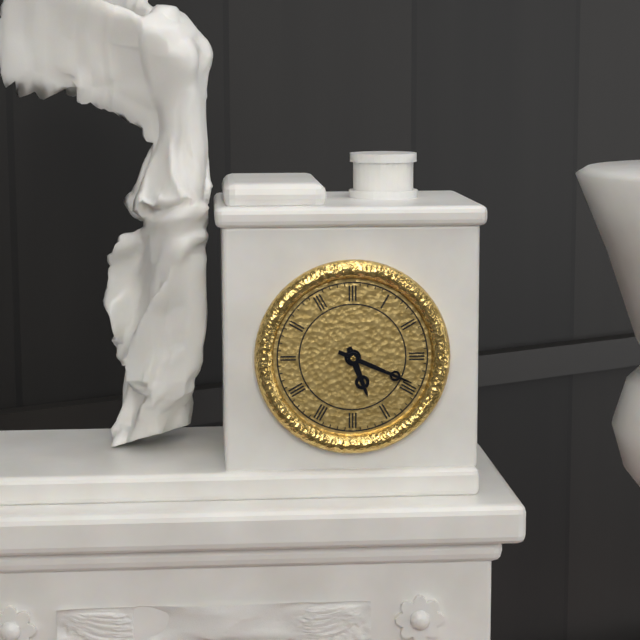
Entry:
5 h 19 min
